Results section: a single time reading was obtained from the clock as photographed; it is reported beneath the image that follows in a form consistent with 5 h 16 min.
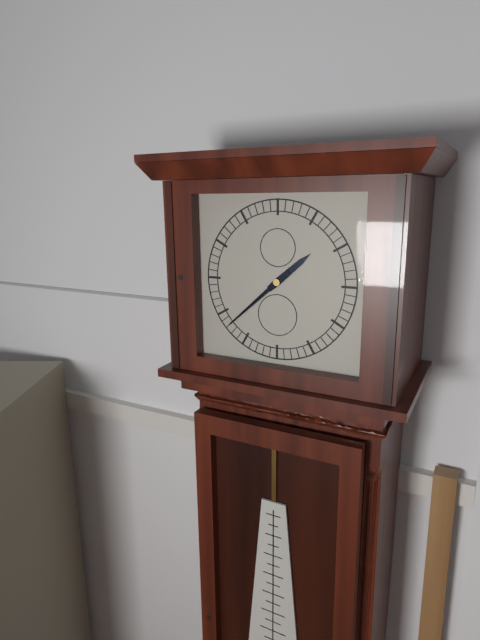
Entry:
1 h 38 min
